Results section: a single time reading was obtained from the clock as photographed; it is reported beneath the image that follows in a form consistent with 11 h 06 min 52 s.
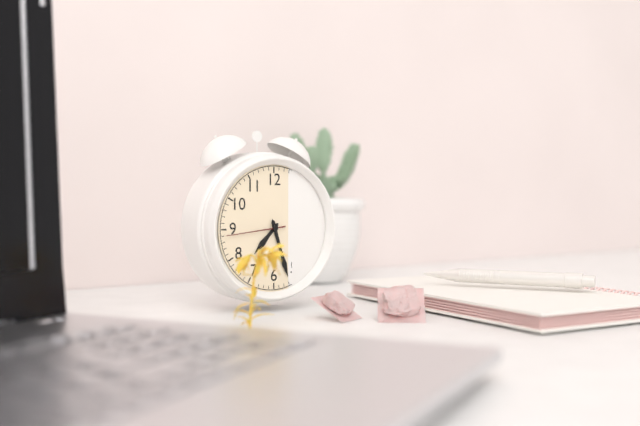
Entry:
7 h 27 min 44 s
